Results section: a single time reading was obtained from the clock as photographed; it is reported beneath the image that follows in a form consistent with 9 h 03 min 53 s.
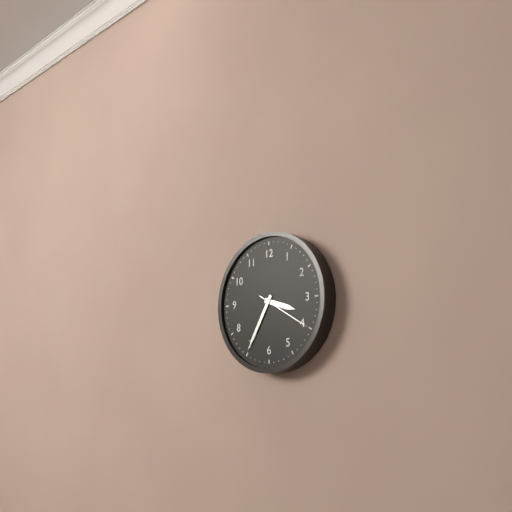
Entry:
3 h 35 min 20 s
